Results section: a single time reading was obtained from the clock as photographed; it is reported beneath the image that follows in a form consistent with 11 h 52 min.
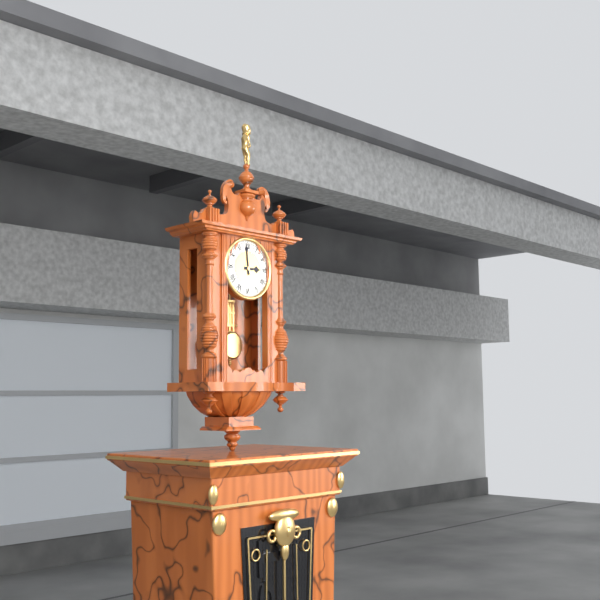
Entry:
2 h 59 min
